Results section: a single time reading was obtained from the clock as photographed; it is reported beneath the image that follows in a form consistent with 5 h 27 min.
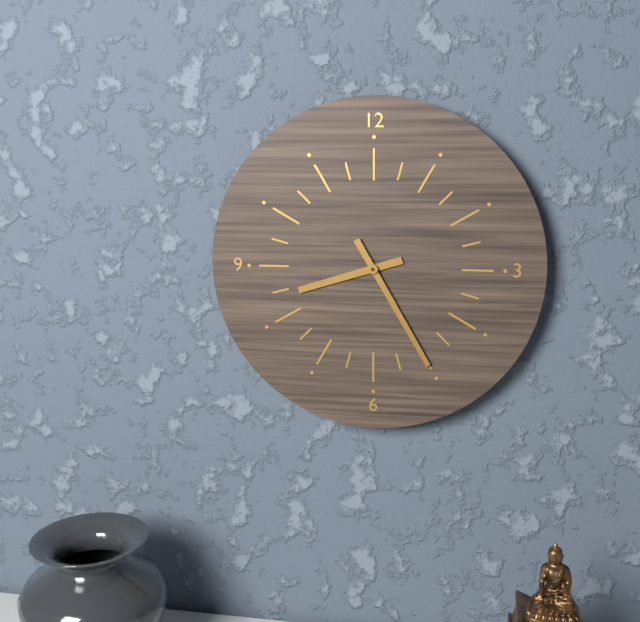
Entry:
8 h 25 min
